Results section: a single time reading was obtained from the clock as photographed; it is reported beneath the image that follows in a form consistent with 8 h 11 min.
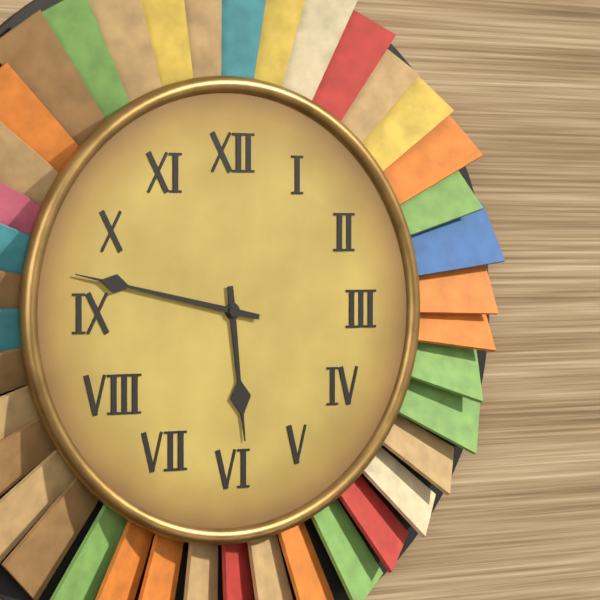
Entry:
5 h 47 min
